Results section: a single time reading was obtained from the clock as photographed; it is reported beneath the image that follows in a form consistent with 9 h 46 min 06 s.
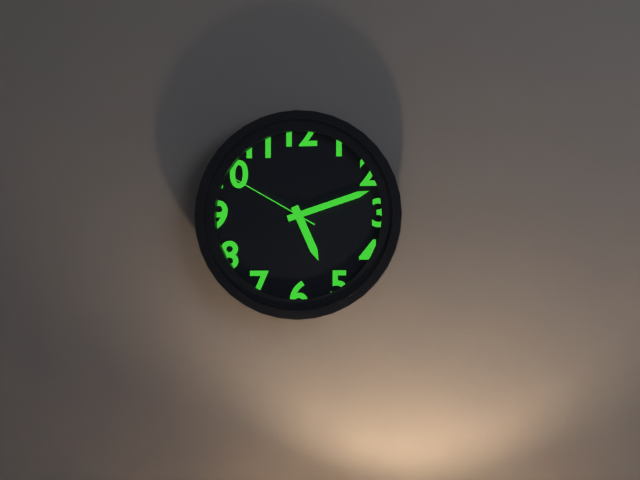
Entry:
5 h 12 min 50 s
